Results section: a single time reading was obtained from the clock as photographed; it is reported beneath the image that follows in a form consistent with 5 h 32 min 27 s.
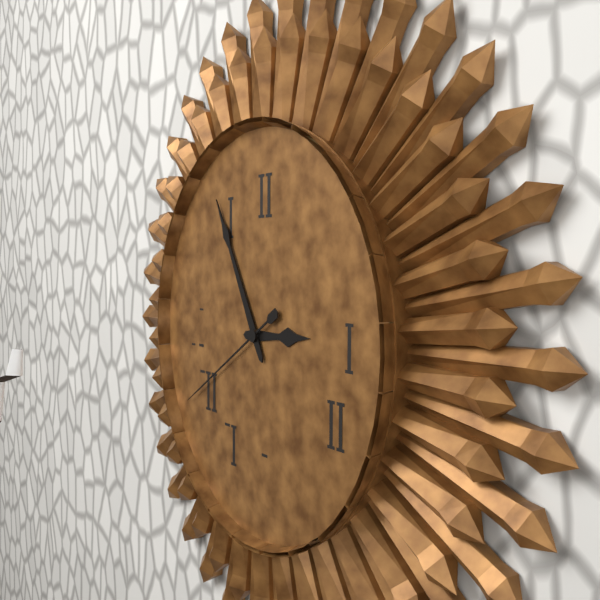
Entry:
2 h 55 min 40 s
